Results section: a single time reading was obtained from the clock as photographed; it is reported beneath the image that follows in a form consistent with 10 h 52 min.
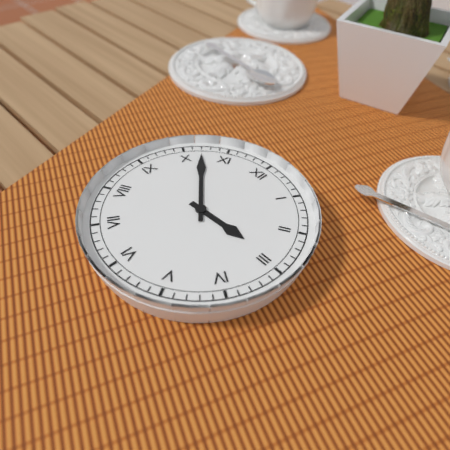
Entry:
2 h 52 min
